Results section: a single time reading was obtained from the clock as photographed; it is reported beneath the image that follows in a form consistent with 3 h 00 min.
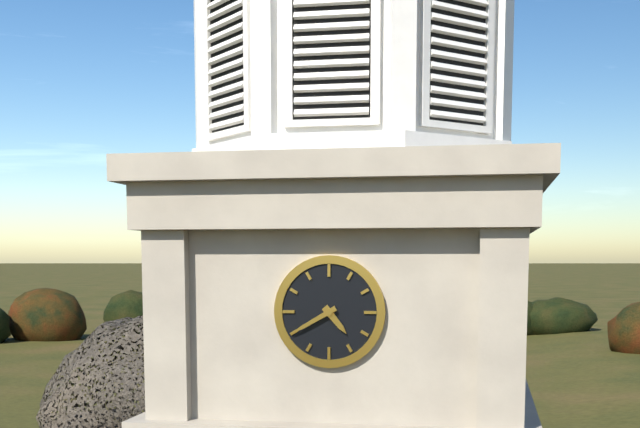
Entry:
4 h 40 min
